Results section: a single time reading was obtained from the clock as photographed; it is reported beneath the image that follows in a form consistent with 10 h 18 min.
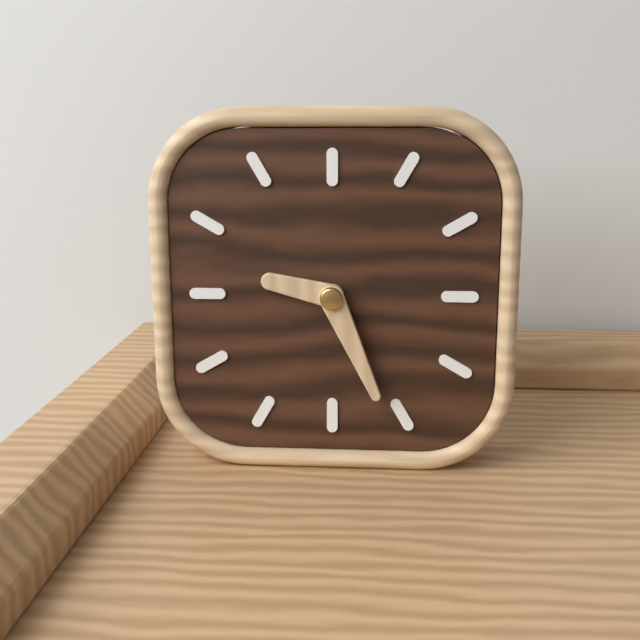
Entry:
9 h 26 min
